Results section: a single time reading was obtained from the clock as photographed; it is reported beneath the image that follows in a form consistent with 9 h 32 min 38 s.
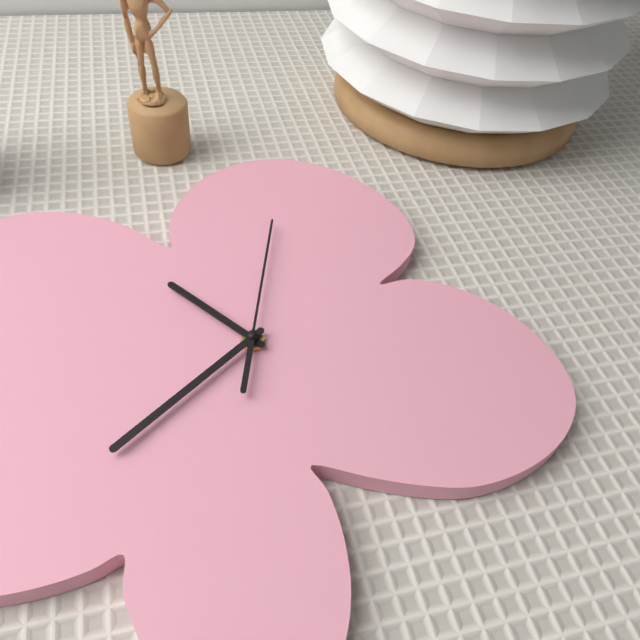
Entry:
11 h 44 min 08 s
